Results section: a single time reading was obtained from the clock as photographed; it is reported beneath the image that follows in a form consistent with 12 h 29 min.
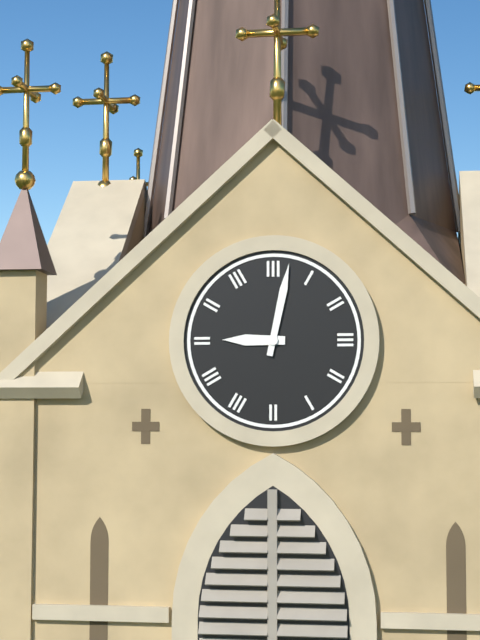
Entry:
9 h 02 min
